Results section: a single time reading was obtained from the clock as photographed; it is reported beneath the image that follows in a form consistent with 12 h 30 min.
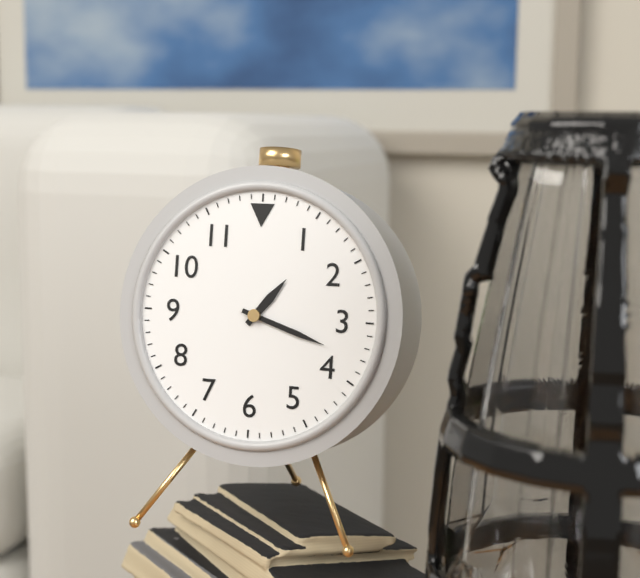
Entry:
1 h 18 min
